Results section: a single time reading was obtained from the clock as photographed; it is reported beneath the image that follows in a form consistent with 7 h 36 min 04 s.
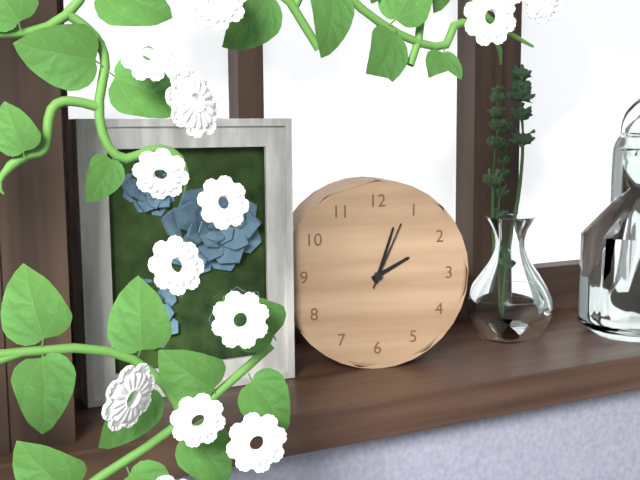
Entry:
2 h 03 min 04 s
